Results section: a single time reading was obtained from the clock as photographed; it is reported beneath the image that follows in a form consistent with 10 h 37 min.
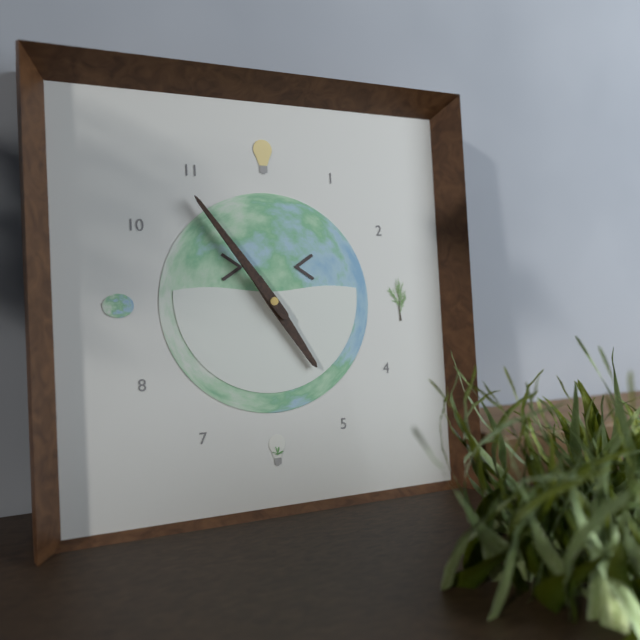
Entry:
4 h 54 min
